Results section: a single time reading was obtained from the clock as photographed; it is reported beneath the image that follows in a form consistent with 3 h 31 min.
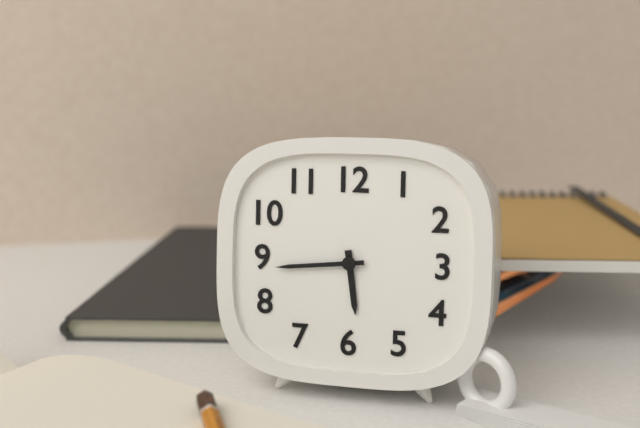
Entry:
5 h 44 min
